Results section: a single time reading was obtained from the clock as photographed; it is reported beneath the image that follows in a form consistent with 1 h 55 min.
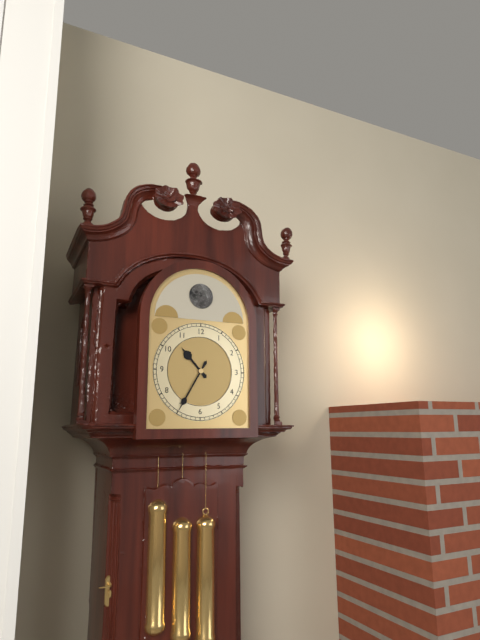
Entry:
10 h 35 min
